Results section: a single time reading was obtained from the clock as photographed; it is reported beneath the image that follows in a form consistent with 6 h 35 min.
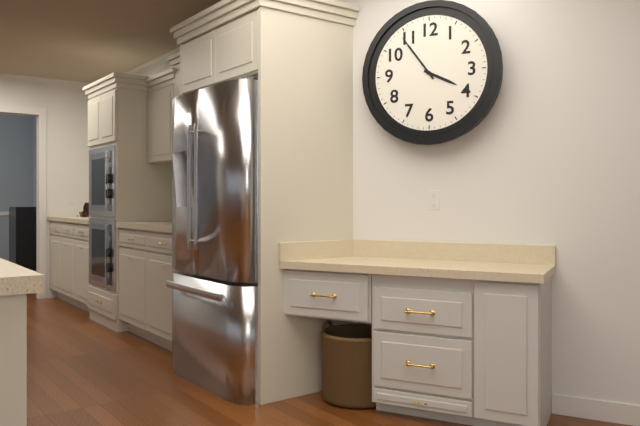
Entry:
3 h 54 min
